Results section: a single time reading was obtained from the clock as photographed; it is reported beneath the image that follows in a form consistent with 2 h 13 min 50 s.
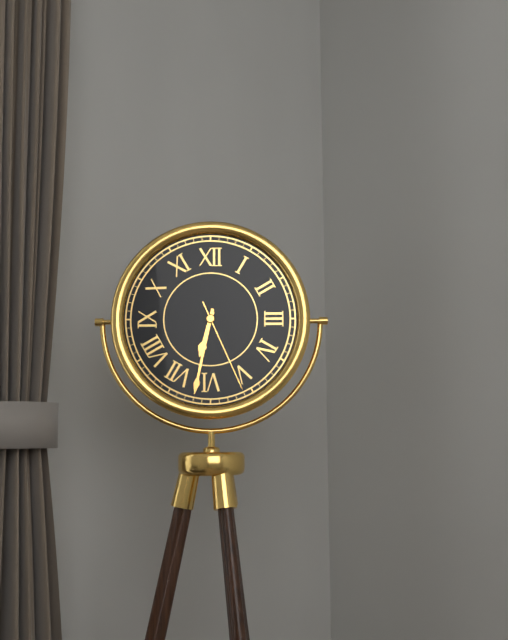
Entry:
6 h 32 min 26 s
